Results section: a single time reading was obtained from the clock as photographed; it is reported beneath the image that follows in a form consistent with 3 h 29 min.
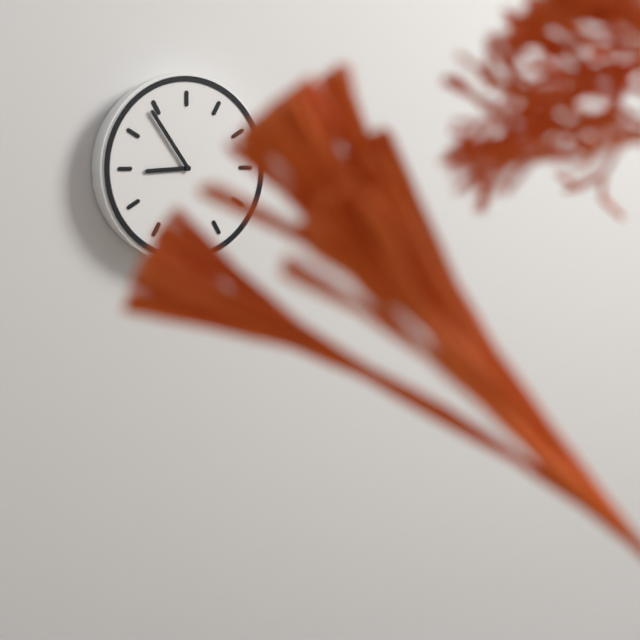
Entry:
8 h 54 min
